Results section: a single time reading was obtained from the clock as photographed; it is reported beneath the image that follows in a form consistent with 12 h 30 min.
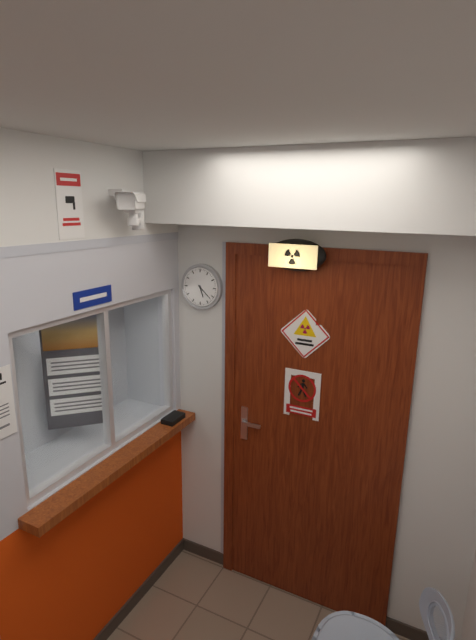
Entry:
5 h 22 min
